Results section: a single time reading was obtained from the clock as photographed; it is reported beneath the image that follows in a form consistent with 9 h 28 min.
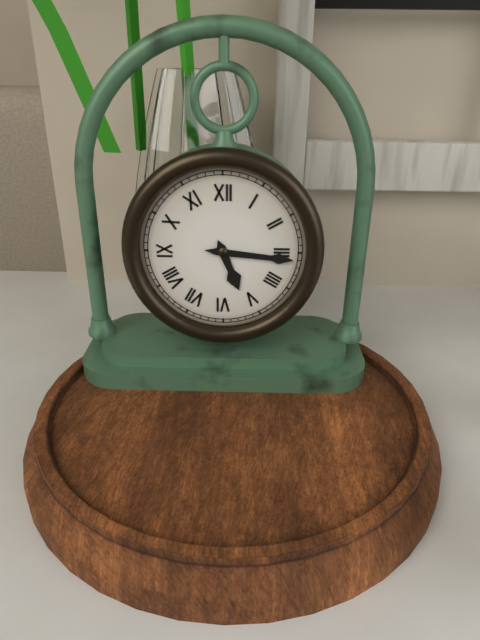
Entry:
5 h 16 min
